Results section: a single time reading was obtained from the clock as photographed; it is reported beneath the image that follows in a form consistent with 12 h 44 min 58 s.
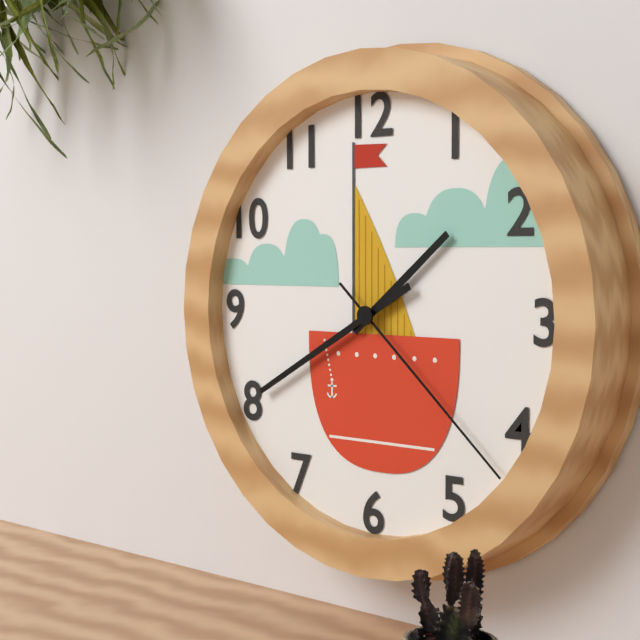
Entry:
1 h 40 min 22 s
